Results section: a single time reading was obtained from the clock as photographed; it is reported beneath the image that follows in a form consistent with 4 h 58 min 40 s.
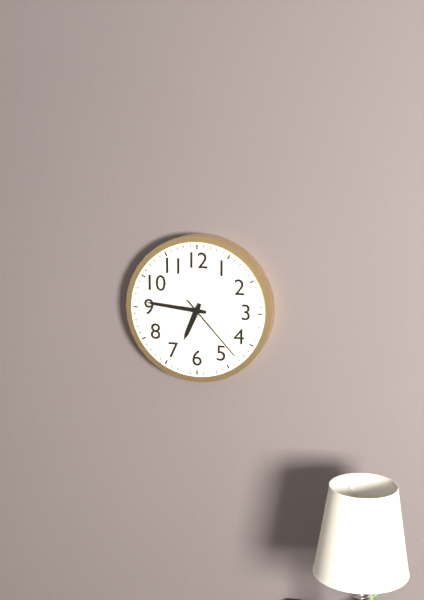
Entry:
6 h 46 min 23 s
